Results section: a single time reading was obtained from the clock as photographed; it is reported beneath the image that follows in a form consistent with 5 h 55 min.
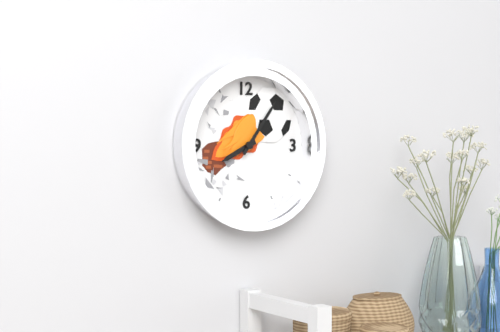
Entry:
8 h 06 min
